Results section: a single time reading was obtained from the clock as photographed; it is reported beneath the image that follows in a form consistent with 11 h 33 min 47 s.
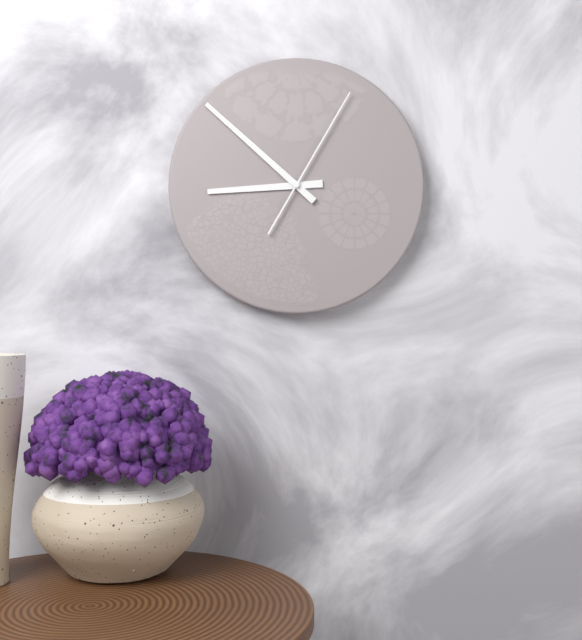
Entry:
8 h 52 min 05 s
